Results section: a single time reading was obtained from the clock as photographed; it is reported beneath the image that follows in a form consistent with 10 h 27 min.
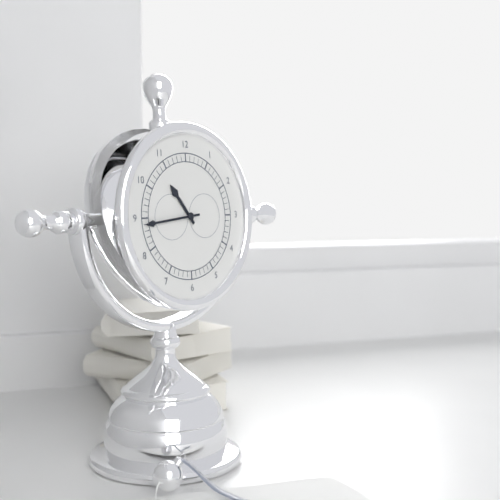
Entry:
10 h 44 min
